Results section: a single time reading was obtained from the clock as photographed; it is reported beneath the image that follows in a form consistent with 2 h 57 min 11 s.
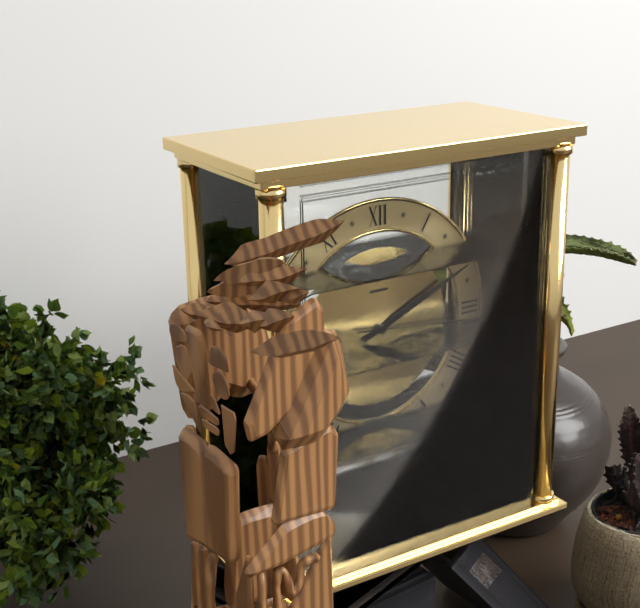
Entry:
2 h 11 min 16 s
